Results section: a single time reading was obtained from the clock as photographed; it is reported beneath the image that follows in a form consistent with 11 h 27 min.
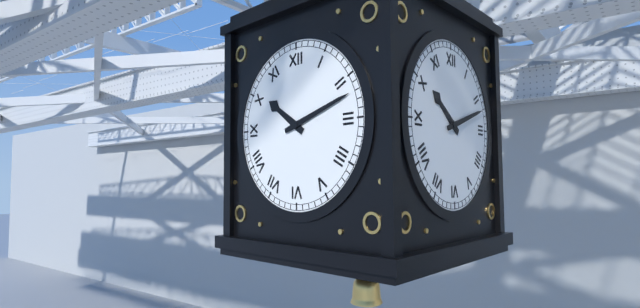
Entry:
10 h 12 min
